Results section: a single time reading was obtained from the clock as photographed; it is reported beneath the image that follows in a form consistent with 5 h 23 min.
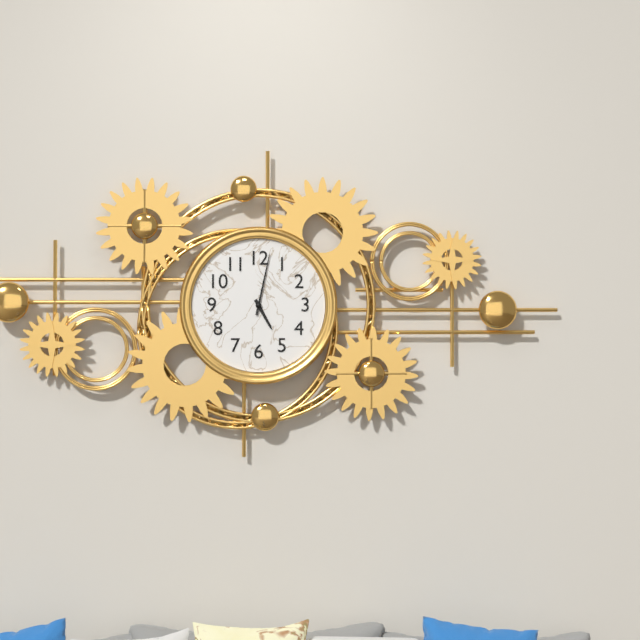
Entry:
5 h 02 min
